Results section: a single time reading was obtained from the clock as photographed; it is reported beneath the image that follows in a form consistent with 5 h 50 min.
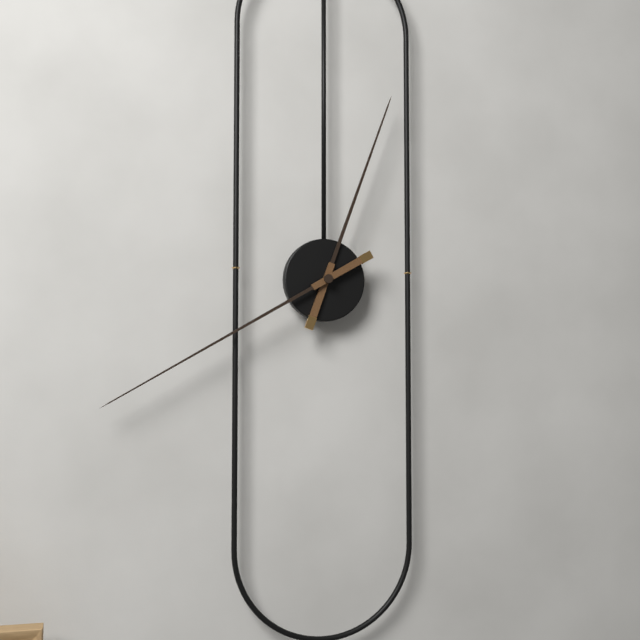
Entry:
12 h 40 min
